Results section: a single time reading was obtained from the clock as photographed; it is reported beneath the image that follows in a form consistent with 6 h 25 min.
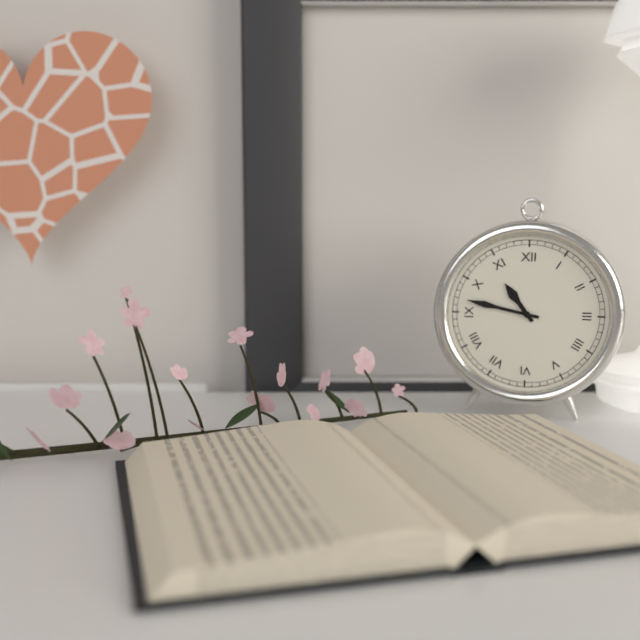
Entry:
10 h 47 min
